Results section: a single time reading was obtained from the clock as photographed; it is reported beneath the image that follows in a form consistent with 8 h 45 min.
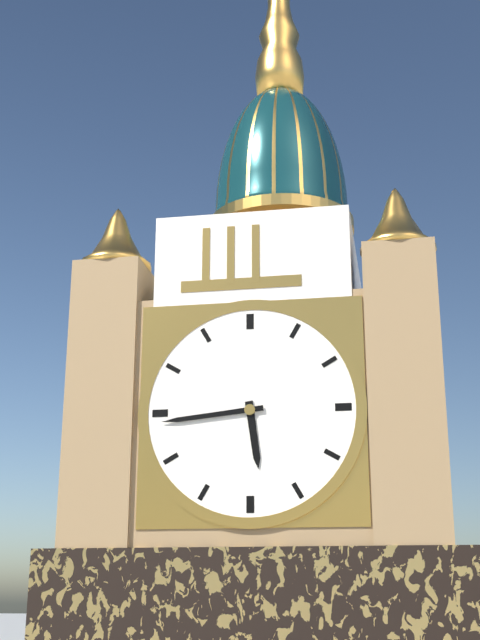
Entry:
5 h 44 min
